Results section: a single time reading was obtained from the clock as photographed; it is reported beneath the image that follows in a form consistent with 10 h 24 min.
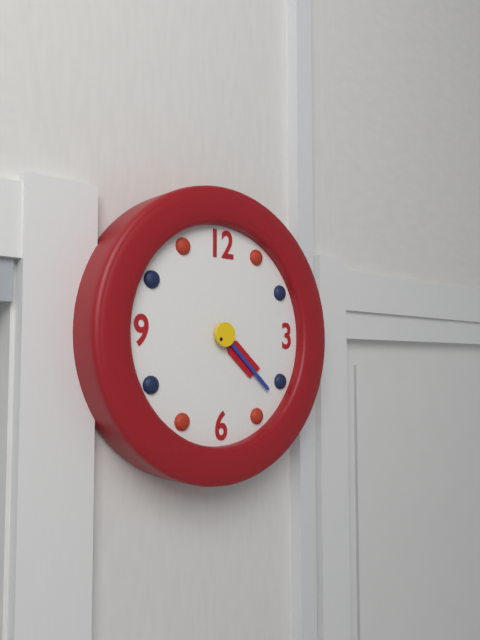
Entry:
4 h 22 min
